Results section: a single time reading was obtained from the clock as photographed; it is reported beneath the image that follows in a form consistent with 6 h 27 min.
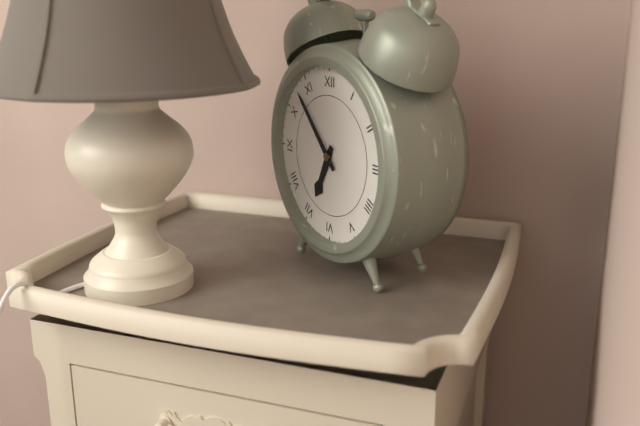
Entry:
6 h 53 min
